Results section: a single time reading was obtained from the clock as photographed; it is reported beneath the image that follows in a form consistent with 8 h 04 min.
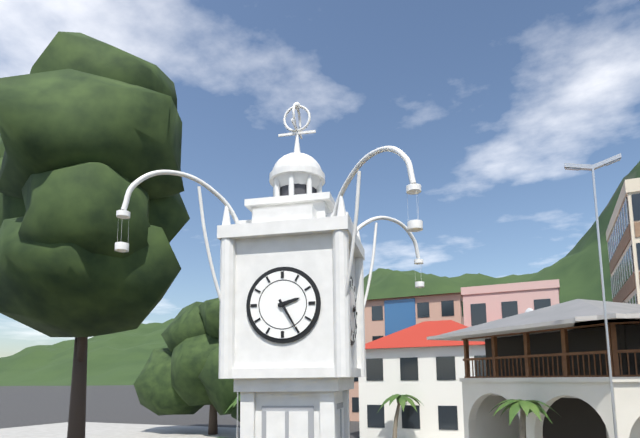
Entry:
2 h 25 min
